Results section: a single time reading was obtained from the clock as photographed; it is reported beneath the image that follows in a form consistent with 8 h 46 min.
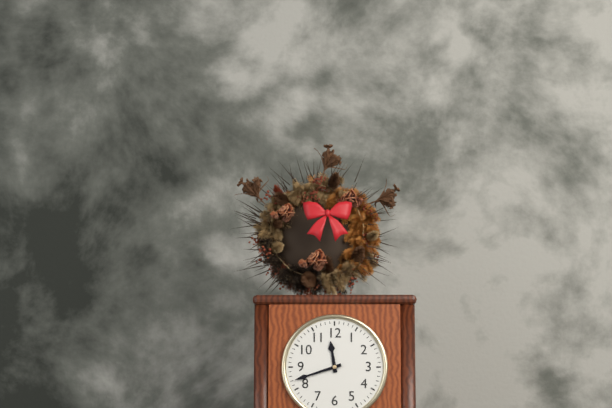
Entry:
11 h 42 min
